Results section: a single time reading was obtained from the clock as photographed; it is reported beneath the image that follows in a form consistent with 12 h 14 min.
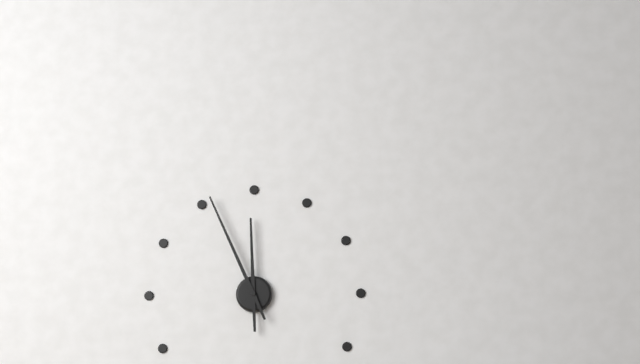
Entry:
11 h 56 min
